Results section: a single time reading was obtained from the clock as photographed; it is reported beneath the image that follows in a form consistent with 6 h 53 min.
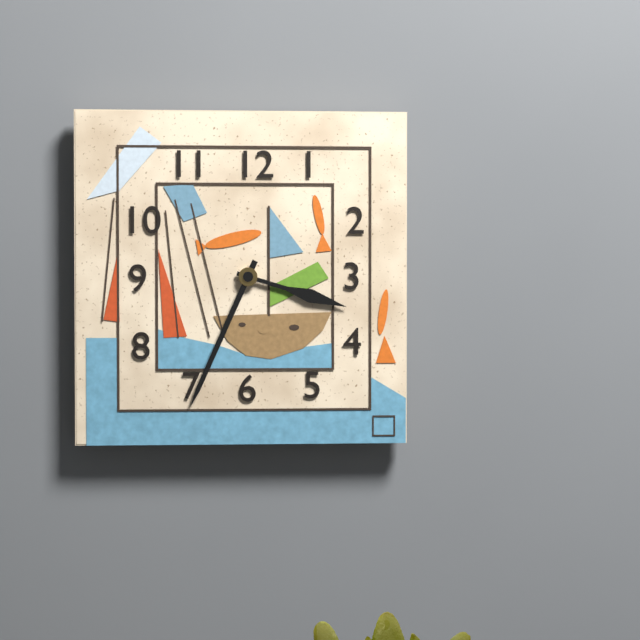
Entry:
3 h 34 min
